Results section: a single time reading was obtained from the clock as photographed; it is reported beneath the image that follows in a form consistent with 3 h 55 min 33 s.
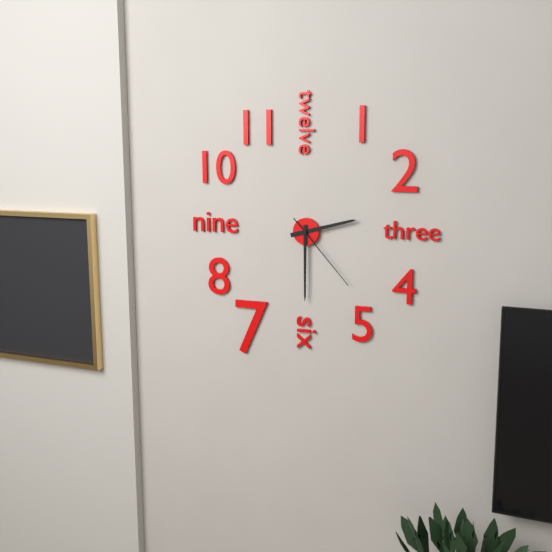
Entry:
2 h 30 min 23 s
